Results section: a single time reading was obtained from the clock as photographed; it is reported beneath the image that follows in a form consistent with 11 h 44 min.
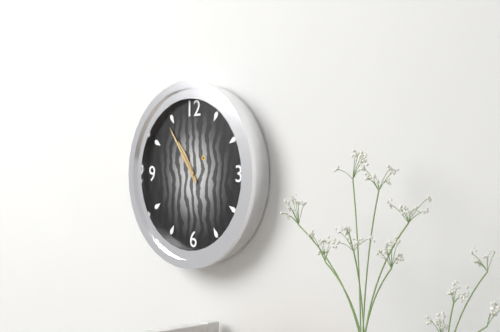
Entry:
10 h 54 min
